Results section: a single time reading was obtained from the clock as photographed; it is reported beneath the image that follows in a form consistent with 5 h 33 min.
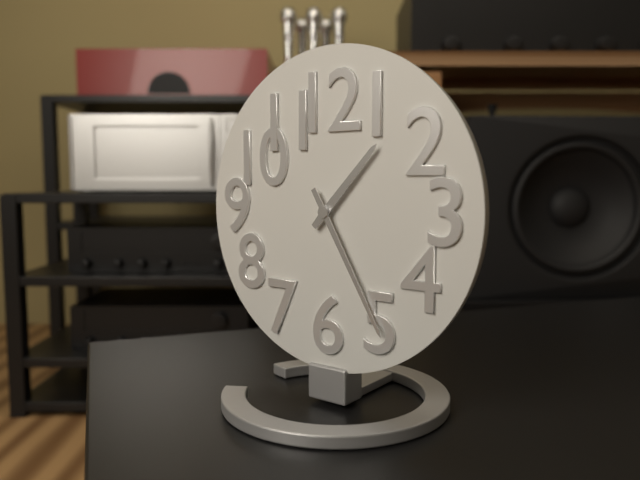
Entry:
1 h 25 min
